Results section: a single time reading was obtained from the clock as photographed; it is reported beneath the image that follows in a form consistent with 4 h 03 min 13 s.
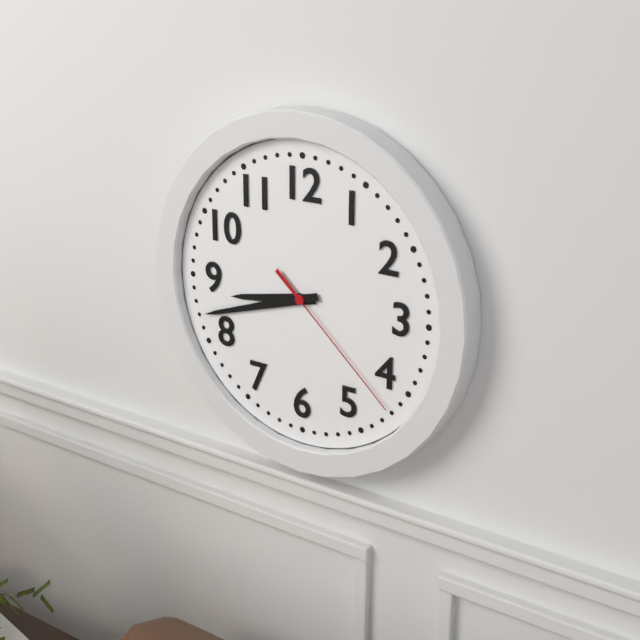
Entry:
8 h 42 min 22 s
